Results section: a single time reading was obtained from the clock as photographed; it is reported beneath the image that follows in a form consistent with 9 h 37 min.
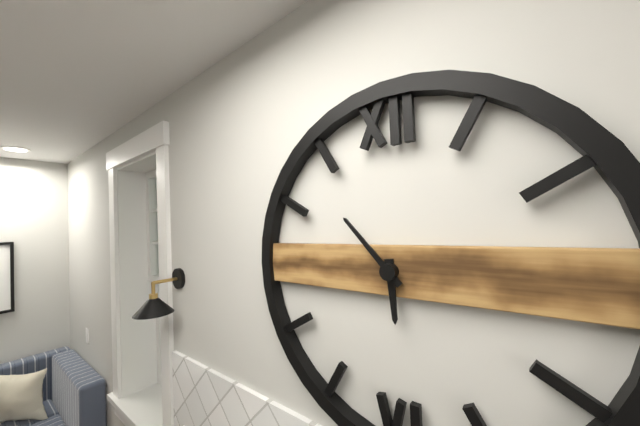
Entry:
5 h 53 min
